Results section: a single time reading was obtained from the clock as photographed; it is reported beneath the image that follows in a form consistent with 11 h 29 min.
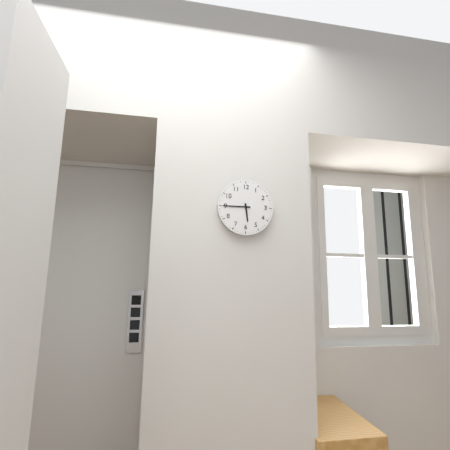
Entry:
5 h 45 min
